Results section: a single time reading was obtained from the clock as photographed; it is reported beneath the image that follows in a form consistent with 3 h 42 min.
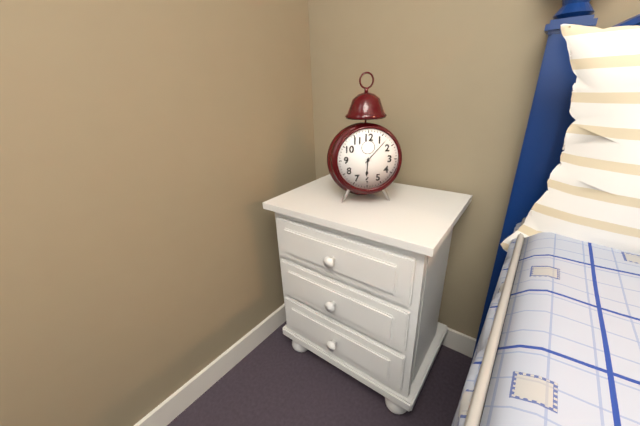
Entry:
6 h 07 min
